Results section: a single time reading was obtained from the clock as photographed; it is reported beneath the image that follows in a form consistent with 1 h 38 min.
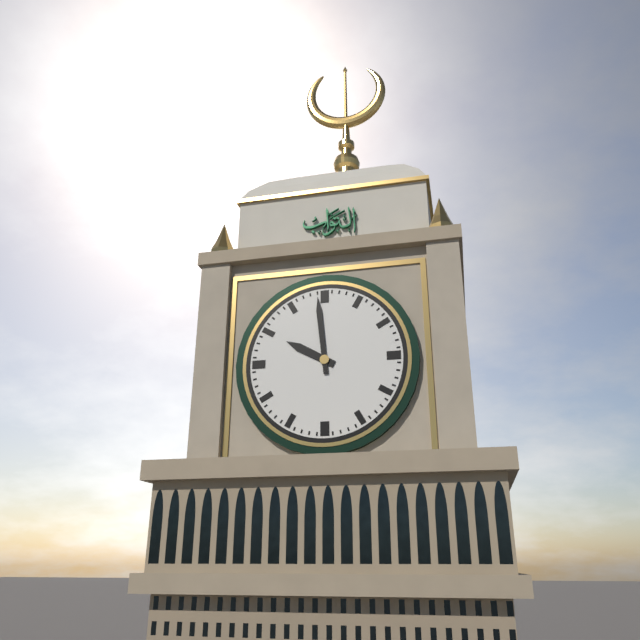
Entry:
9 h 59 min
